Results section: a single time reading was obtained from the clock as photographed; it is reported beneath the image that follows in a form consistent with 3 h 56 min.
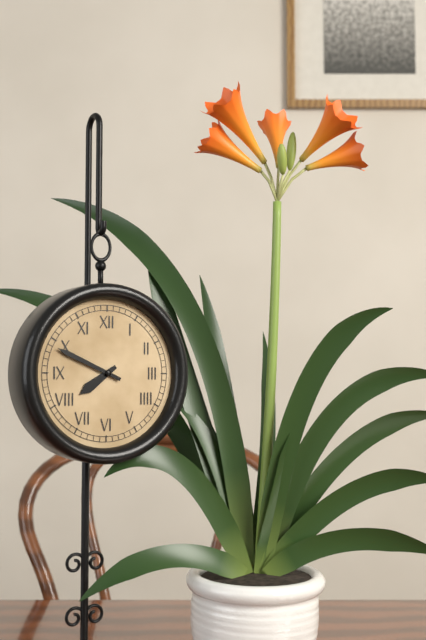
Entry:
7 h 49 min
